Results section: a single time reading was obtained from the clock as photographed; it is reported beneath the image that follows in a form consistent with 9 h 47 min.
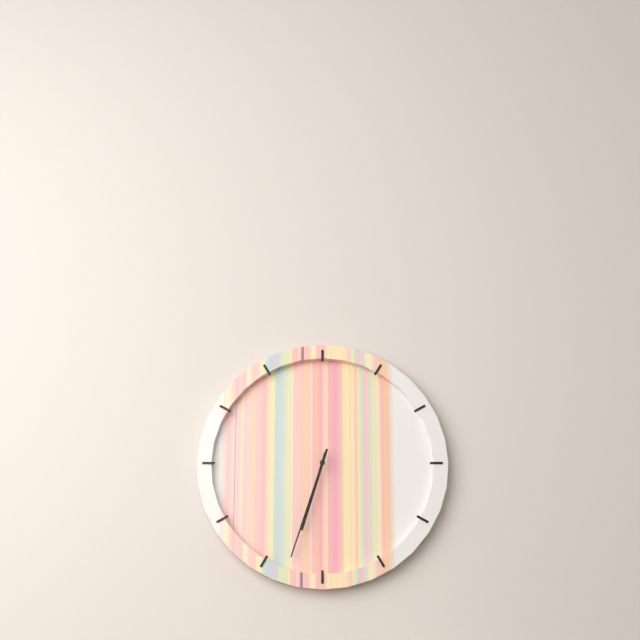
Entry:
6 h 33 min
